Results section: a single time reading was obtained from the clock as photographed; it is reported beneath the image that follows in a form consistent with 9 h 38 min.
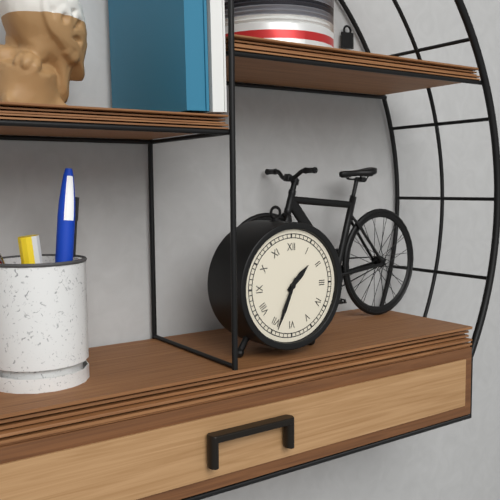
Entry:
1 h 34 min
